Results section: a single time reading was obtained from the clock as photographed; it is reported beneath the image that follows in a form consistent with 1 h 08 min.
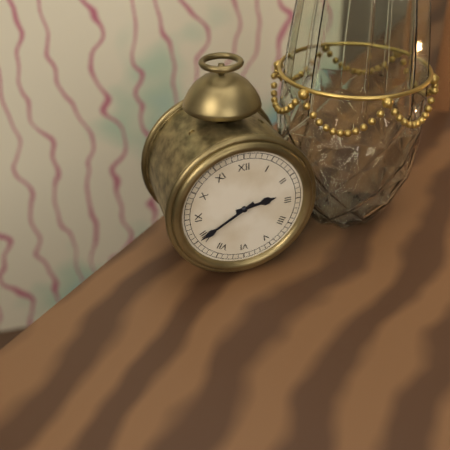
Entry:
2 h 40 min
